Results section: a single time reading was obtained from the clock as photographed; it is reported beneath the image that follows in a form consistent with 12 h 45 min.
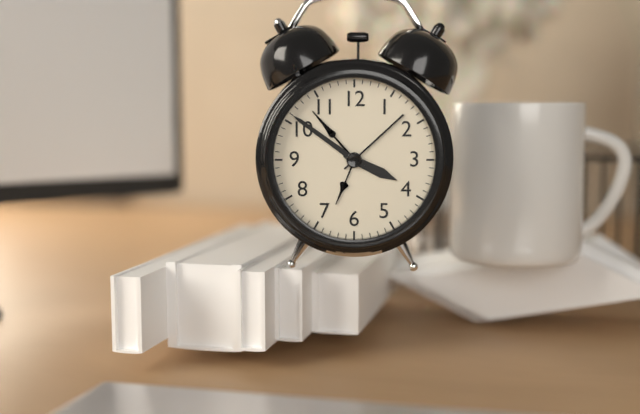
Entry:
3 h 51 min
